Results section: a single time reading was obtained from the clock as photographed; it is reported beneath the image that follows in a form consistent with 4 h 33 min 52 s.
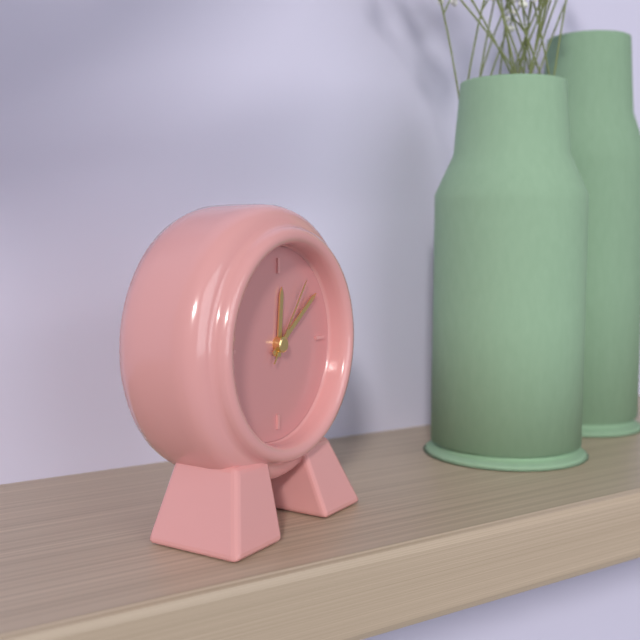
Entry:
12 h 09 min 06 s
